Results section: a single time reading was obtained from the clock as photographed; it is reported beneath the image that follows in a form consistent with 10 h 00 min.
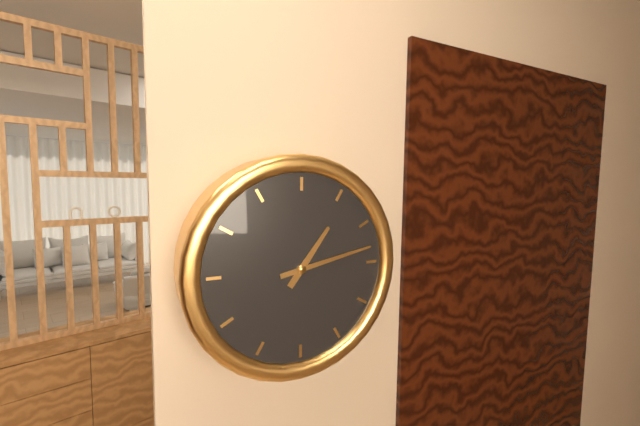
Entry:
1 h 13 min
